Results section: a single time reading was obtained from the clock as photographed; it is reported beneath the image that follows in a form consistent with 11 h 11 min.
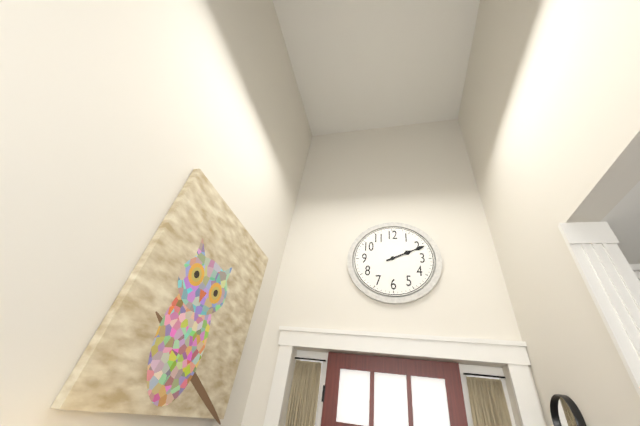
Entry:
2 h 11 min
